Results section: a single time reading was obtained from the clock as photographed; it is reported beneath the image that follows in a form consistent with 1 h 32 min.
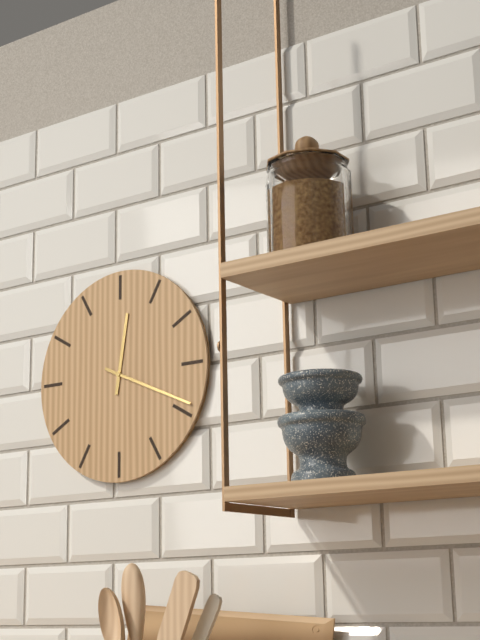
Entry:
12 h 19 min
